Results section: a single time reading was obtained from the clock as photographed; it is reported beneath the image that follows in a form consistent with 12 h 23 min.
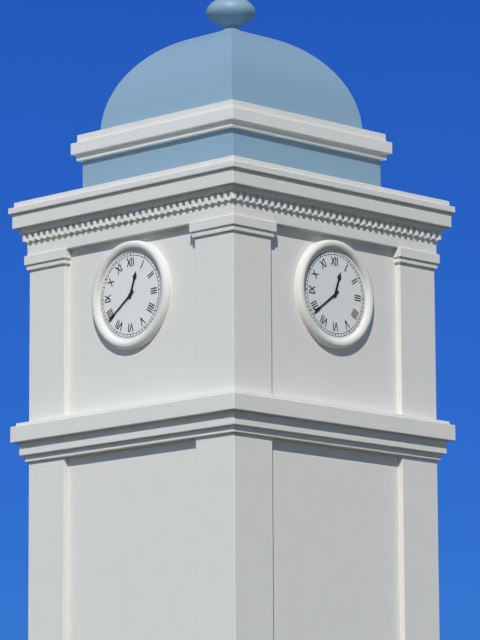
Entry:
12 h 39 min
